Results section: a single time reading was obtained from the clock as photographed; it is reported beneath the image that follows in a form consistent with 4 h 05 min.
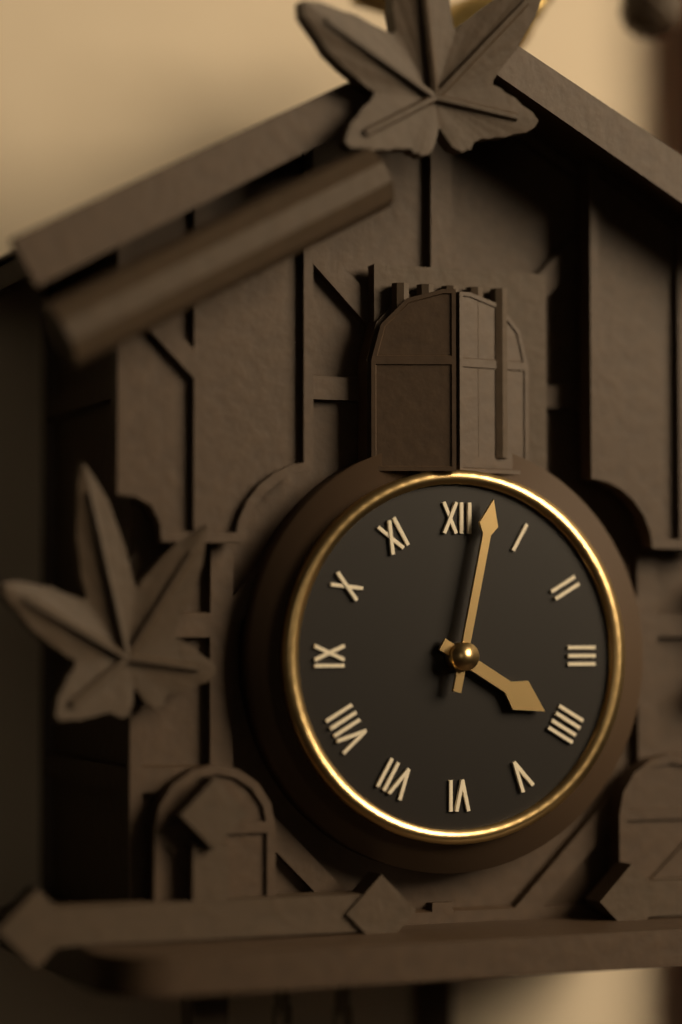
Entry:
4 h 02 min
